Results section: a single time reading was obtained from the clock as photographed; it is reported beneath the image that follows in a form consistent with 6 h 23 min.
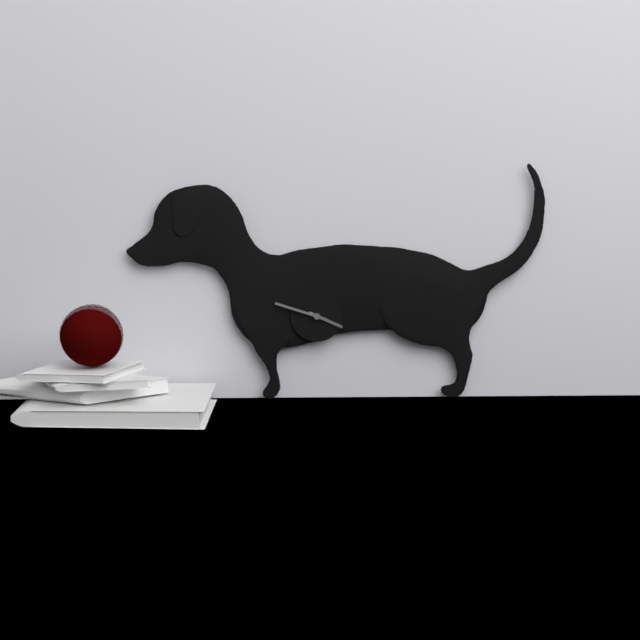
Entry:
3 h 48 min
